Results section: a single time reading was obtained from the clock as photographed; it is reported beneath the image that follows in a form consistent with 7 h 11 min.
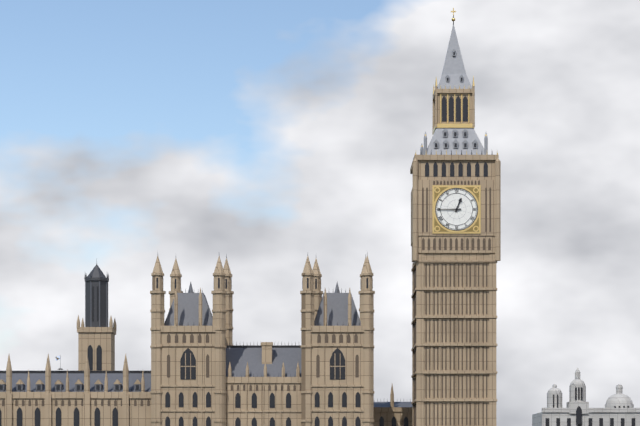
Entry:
12 h 45 min
